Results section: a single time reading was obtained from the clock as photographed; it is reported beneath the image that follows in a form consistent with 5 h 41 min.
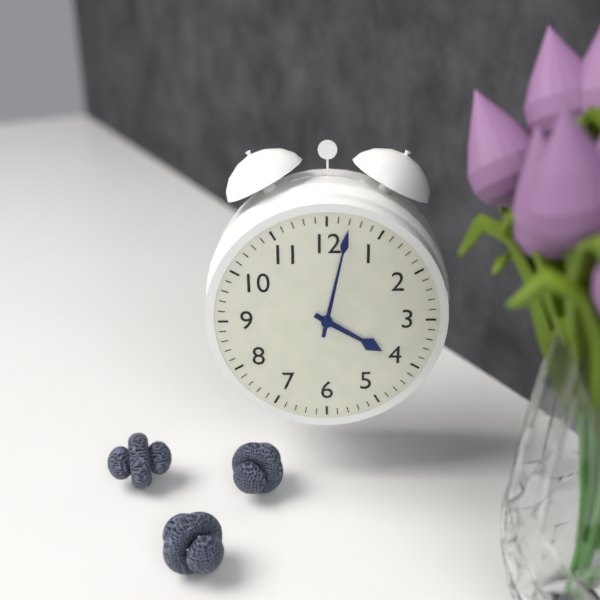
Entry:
4 h 02 min
